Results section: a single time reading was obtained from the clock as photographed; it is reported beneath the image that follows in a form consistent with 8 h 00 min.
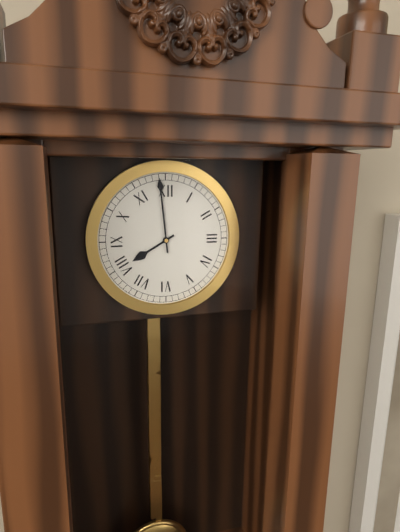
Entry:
7 h 59 min
